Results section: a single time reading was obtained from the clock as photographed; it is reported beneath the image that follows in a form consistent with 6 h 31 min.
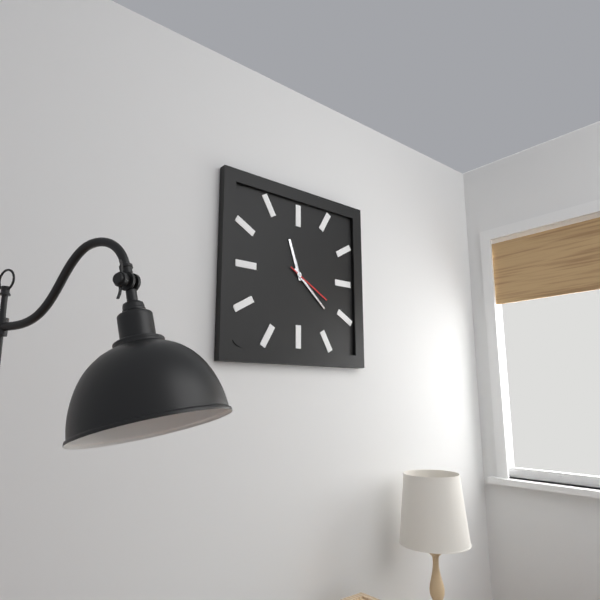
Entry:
11 h 22 min
